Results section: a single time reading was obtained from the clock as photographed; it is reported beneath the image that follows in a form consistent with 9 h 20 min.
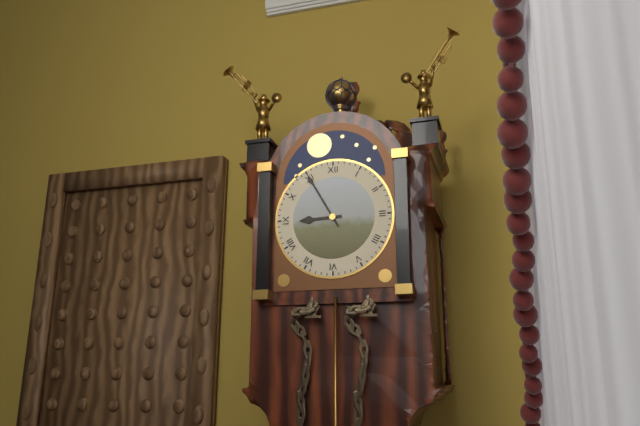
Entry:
8 h 55 min
